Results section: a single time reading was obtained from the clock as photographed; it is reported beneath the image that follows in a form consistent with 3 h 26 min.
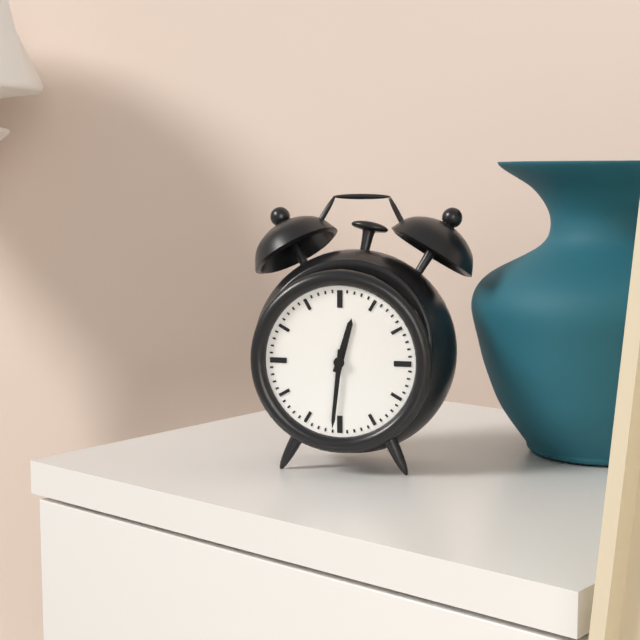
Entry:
12 h 31 min
